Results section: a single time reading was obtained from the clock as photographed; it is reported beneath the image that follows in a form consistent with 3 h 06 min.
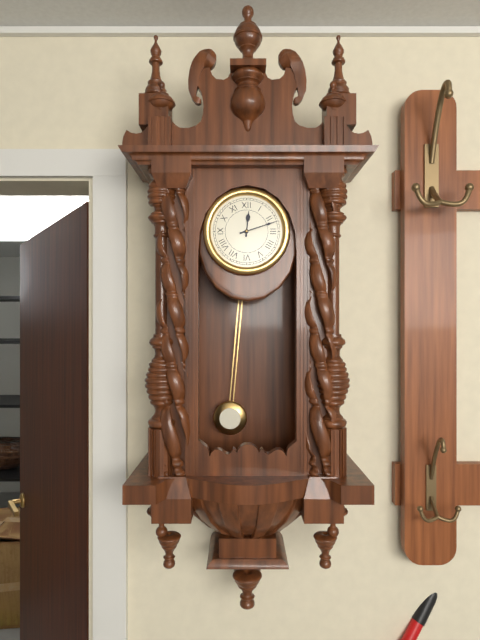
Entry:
12 h 12 min
